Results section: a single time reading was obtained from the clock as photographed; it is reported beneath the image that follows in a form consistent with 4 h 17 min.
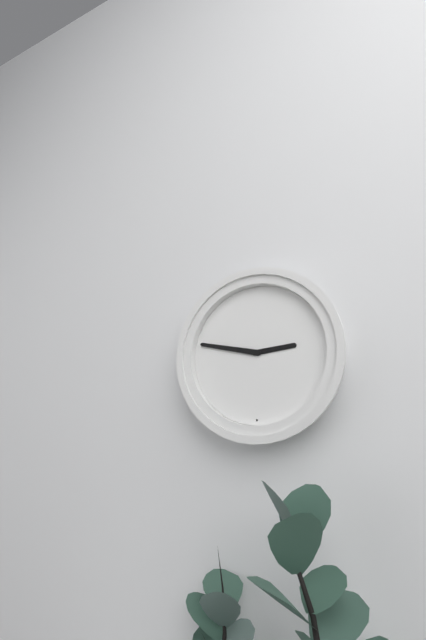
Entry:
2 h 47 min
